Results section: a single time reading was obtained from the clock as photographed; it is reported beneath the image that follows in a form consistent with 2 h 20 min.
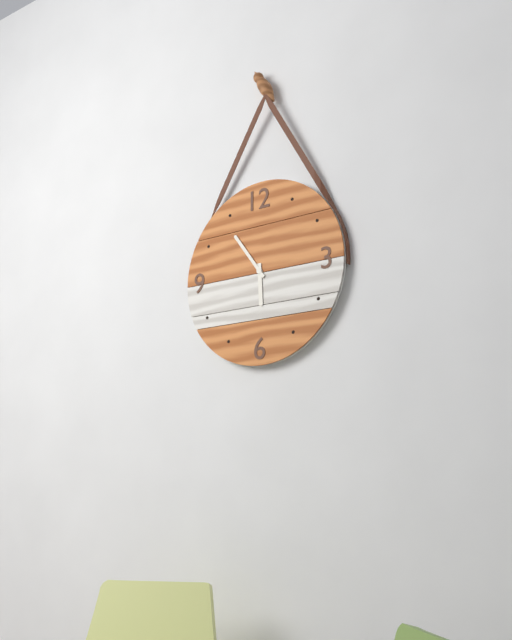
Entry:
5 h 54 min
